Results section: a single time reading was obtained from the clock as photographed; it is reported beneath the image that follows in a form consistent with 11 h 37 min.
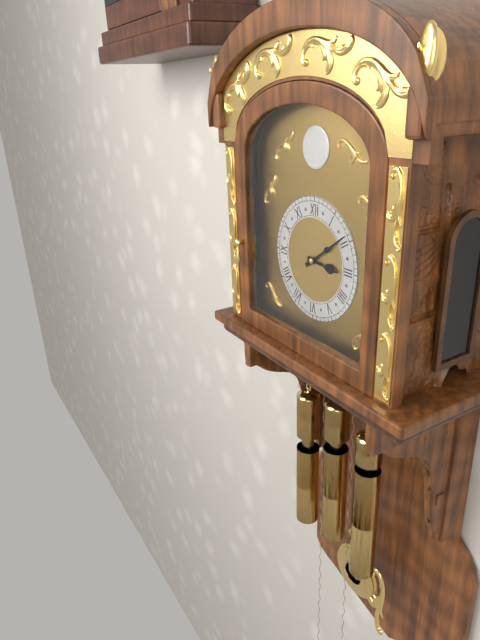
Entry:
3 h 09 min
